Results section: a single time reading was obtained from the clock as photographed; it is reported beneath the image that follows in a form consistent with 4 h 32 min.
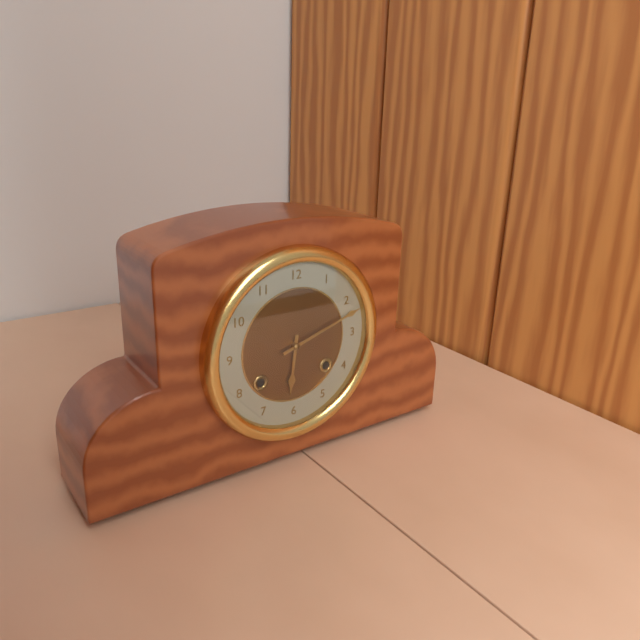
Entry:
6 h 12 min
